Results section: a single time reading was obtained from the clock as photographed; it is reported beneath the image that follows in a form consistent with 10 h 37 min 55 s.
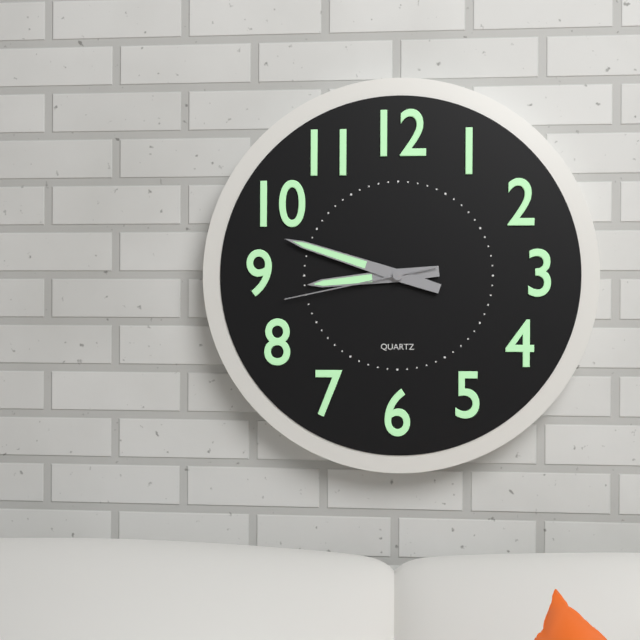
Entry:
8 h 48 min 43 s
